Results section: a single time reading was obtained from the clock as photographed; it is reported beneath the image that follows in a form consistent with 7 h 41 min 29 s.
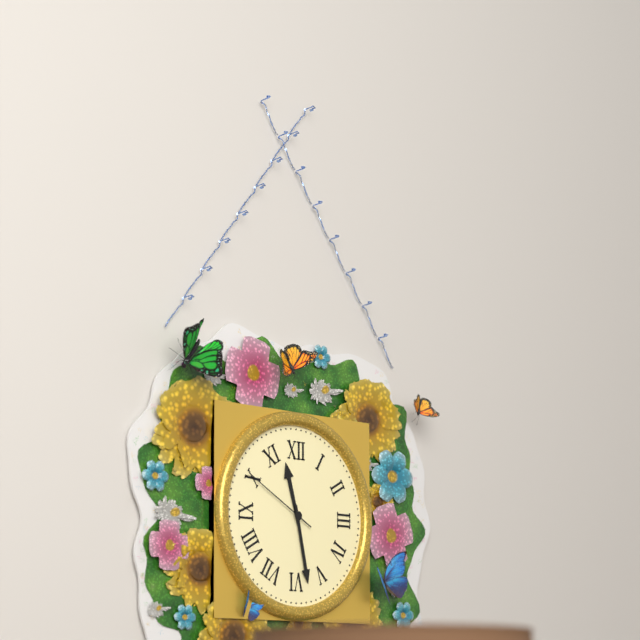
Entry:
11 h 28 min 50 s
